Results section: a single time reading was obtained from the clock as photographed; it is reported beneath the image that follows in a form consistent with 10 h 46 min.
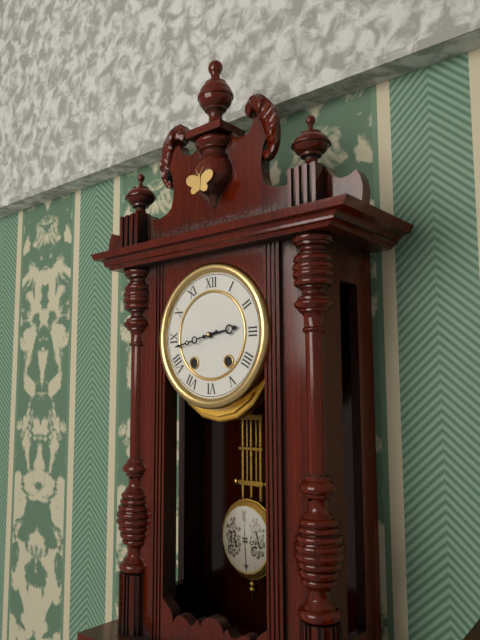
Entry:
2 h 43 min
